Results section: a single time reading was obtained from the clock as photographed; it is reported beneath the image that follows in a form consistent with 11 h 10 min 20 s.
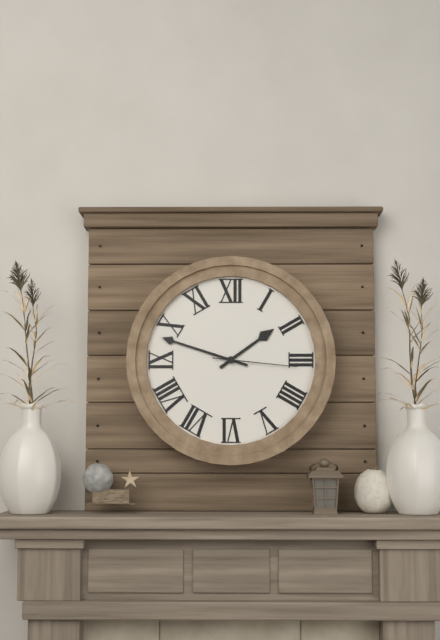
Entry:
1 h 48 min 16 s
